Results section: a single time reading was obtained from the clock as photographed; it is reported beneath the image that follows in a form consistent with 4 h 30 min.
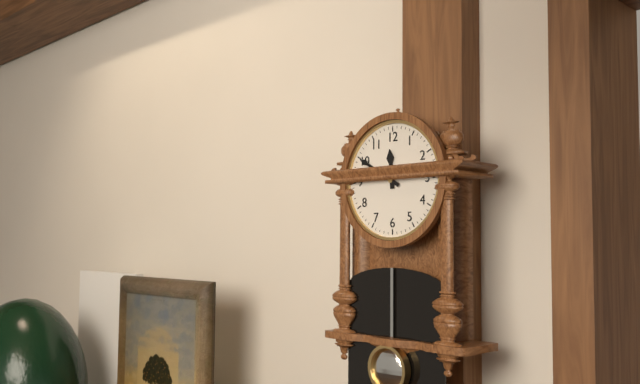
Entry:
11 h 50 min
